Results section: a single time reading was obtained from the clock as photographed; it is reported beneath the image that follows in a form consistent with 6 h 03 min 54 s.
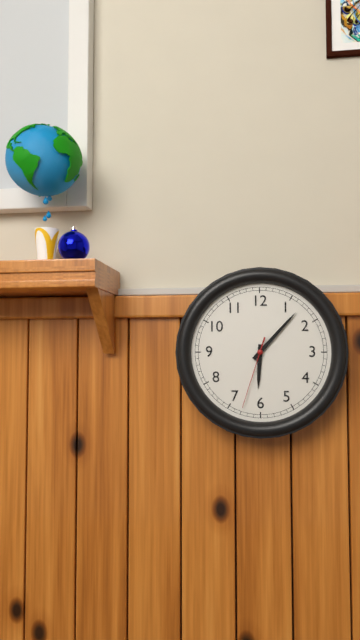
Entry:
6 h 07 min 33 s
